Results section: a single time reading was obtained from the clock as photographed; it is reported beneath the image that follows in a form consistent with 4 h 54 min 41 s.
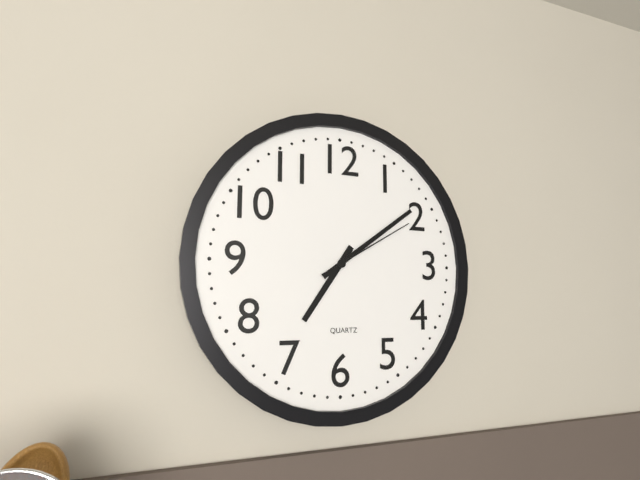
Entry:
7 h 09 min 10 s
